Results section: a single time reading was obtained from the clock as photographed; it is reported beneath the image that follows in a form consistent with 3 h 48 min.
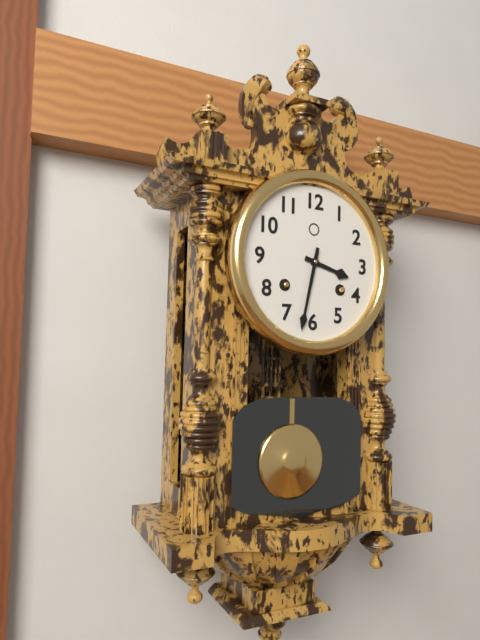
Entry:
3 h 32 min
